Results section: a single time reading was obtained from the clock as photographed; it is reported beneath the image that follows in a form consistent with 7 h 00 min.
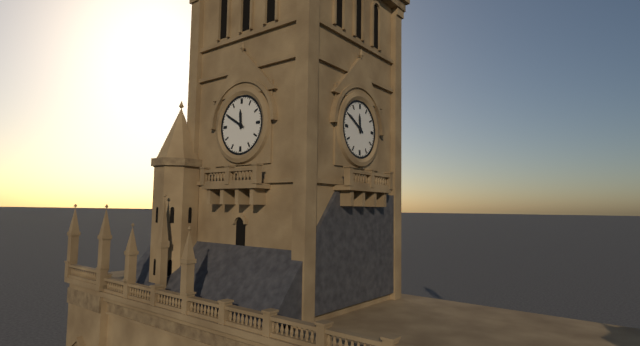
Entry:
11 h 50 min
